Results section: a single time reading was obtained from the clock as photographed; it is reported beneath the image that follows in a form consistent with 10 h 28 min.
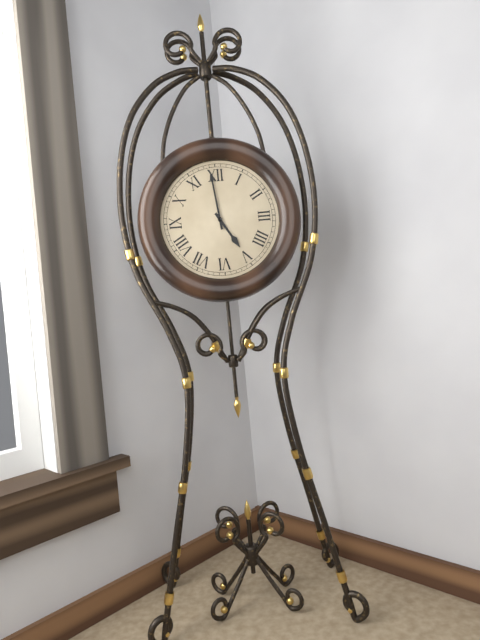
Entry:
4 h 59 min
